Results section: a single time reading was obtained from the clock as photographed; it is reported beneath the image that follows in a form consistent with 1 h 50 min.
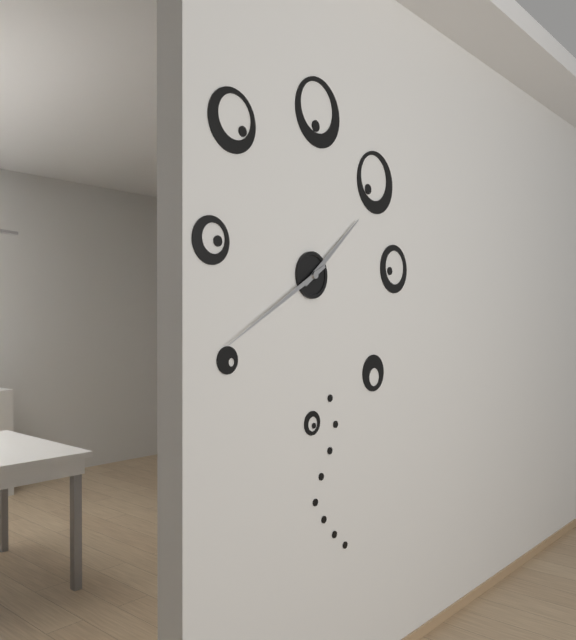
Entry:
1 h 40 min
